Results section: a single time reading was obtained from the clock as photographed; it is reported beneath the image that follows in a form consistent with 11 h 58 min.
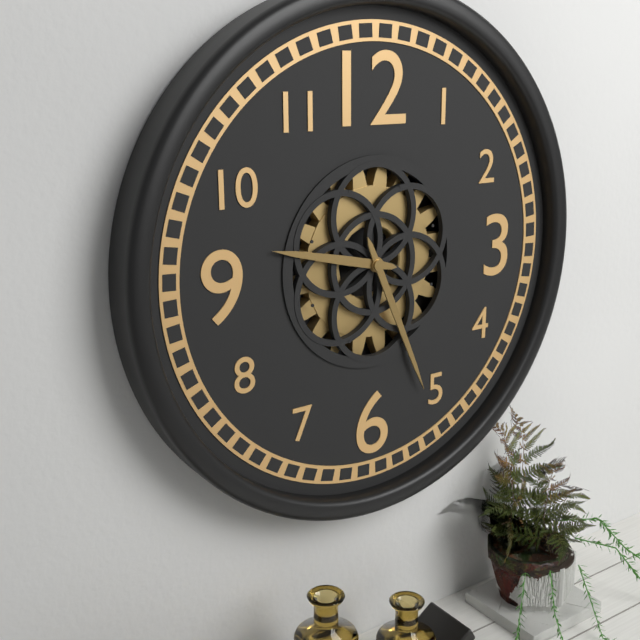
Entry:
9 h 26 min
